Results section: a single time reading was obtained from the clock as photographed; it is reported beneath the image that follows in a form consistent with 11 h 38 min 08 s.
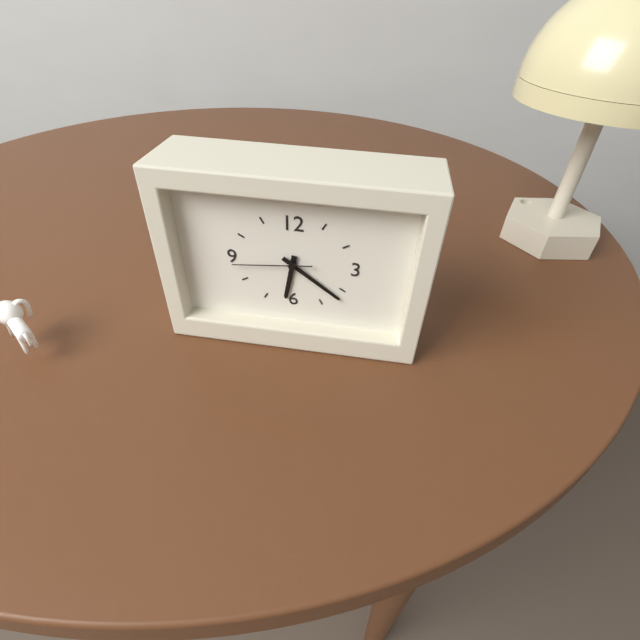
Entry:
6 h 21 min 44 s
